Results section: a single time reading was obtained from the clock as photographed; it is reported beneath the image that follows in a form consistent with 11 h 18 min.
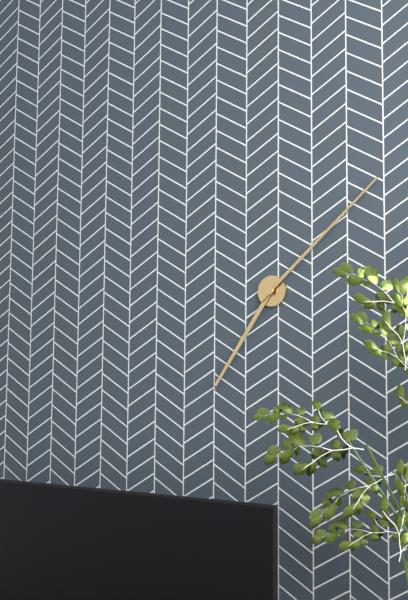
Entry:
7 h 08 min
